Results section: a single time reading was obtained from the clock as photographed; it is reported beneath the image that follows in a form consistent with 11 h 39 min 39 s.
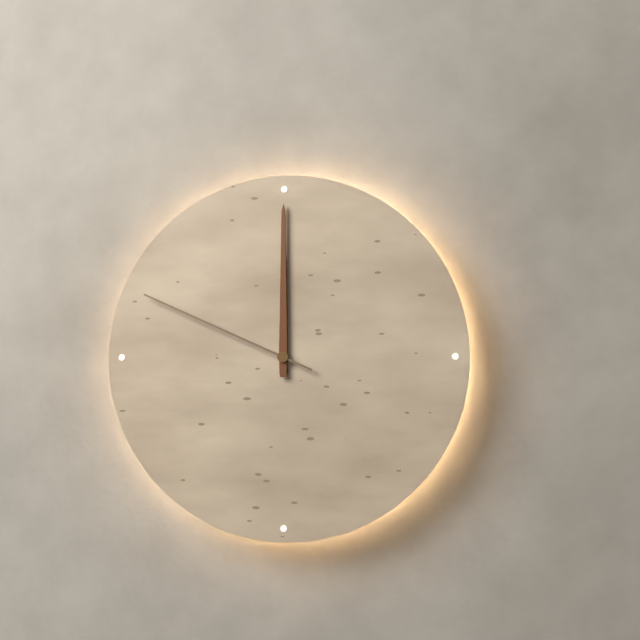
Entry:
12 h 00 min 49 s
